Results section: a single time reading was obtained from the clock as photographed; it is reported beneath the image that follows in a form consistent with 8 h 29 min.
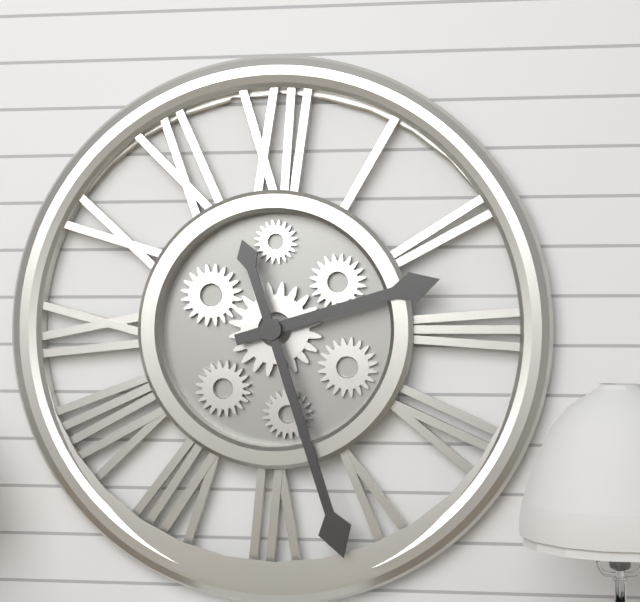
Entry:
2 h 27 min
